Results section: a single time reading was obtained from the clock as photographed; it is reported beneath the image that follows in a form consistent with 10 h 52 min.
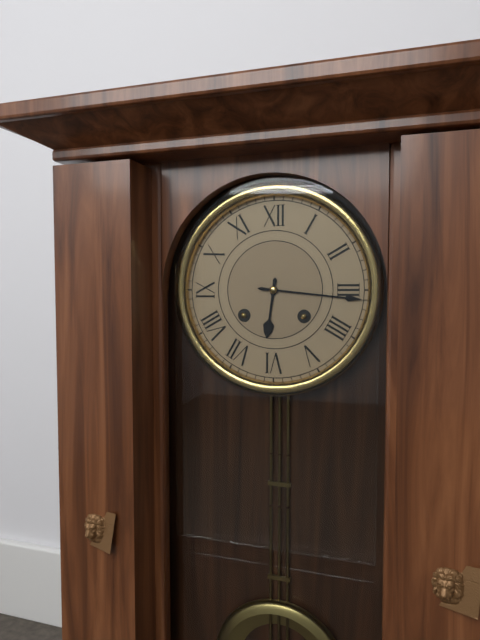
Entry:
6 h 16 min
